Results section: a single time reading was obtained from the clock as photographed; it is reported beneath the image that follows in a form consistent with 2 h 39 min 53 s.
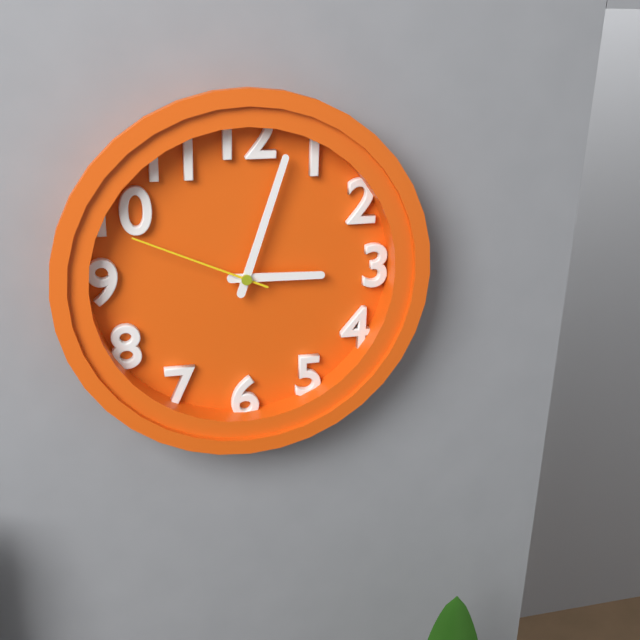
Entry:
3 h 03 min 49 s
